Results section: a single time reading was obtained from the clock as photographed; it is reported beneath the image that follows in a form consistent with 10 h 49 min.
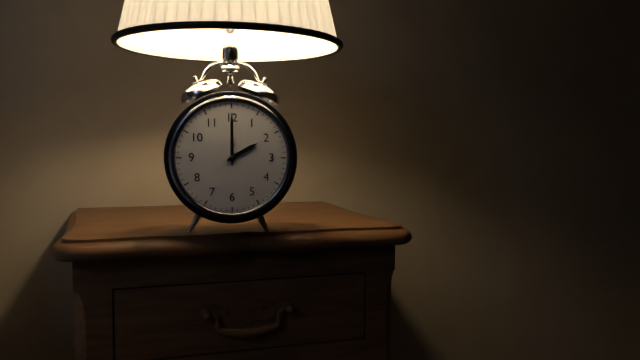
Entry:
2 h 00 min
